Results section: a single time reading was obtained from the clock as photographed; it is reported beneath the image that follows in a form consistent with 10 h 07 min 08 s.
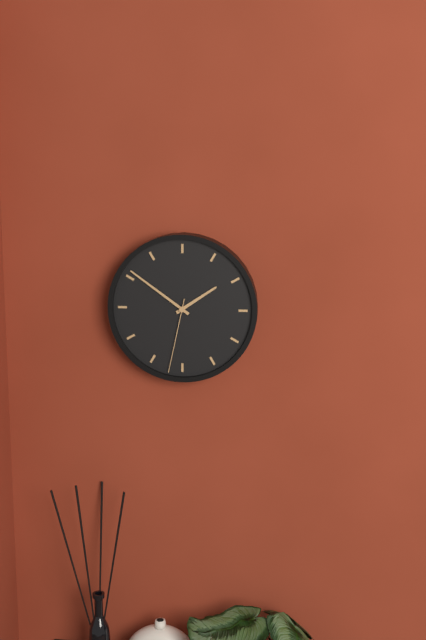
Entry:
1 h 51 min 32 s
